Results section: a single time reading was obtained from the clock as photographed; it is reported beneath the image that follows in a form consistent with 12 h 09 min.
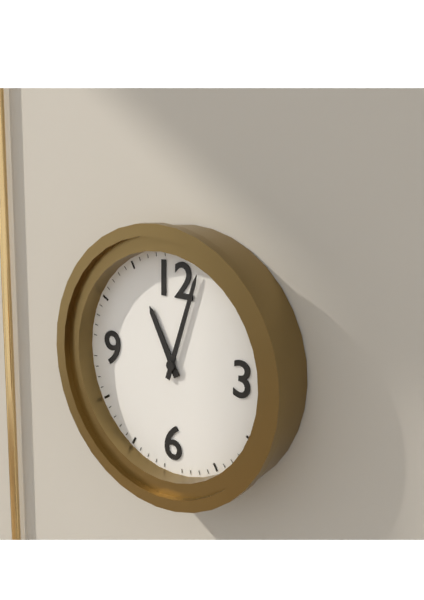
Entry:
11 h 03 min
